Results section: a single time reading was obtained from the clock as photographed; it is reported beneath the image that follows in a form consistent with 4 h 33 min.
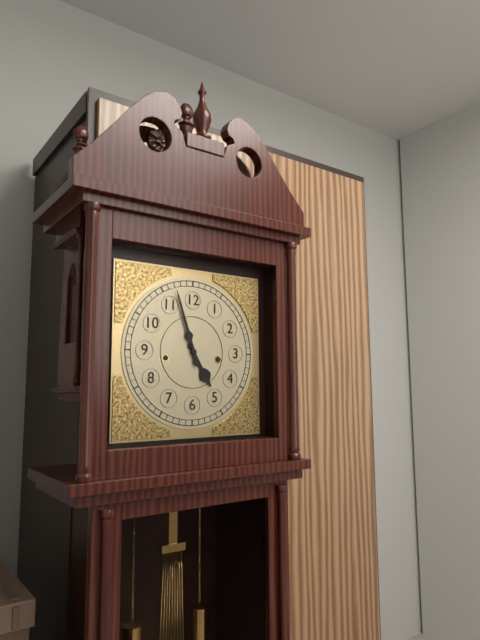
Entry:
4 h 57 min
